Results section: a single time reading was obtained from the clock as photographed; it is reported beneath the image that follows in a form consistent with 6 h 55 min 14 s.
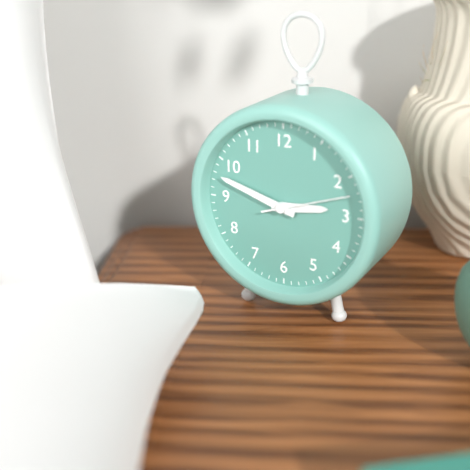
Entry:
2 h 48 min 12 s
